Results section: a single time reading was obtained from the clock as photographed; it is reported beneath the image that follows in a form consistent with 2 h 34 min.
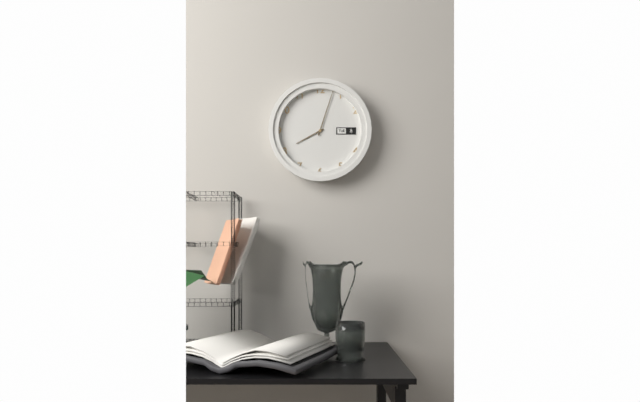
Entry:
8 h 03 min
